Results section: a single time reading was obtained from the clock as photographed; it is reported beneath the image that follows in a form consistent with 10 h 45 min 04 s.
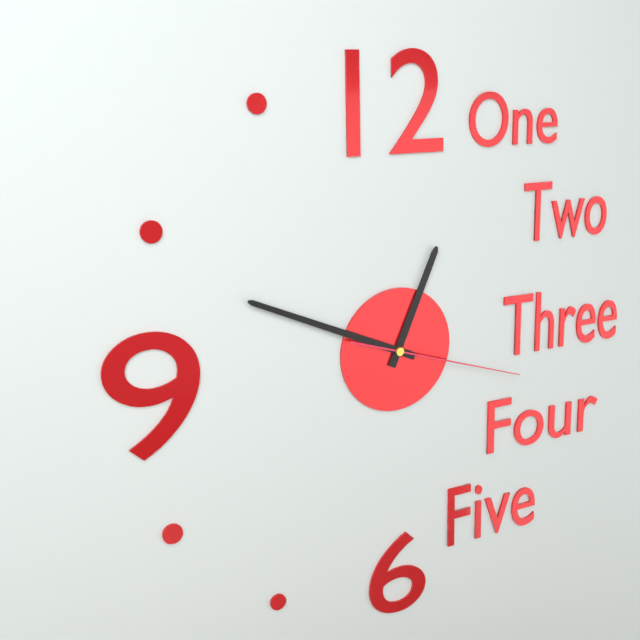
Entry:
12 h 49 min 18 s
